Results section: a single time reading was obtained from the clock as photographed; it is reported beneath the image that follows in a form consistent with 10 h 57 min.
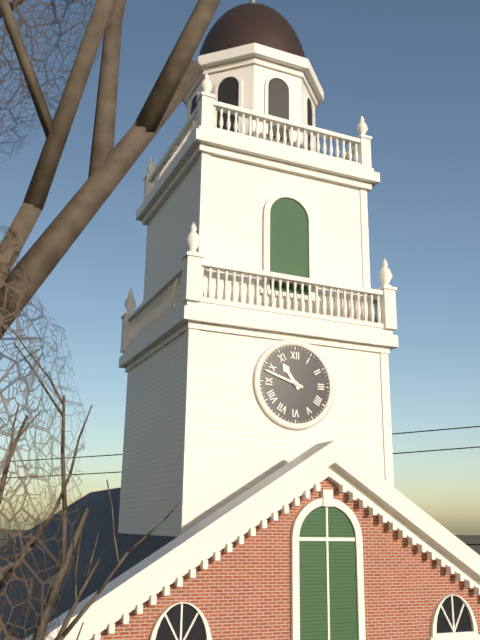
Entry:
10 h 48 min
